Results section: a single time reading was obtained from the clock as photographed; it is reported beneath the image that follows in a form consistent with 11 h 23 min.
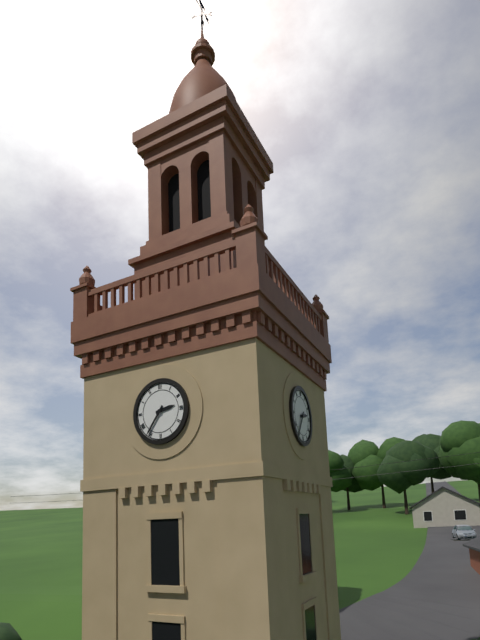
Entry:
2 h 36 min
